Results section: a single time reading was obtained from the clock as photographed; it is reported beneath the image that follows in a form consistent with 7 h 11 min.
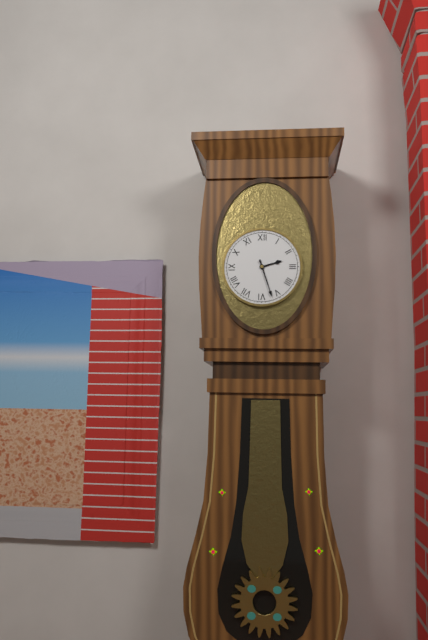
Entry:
2 h 27 min
